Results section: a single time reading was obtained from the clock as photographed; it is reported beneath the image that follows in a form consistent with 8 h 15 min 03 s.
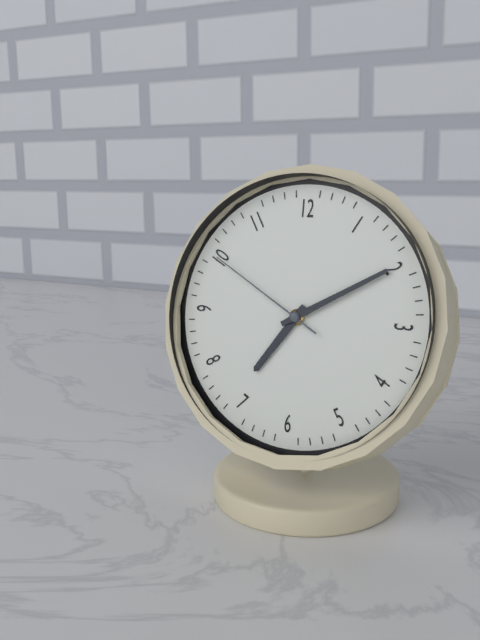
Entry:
7 h 10 min 50 s
